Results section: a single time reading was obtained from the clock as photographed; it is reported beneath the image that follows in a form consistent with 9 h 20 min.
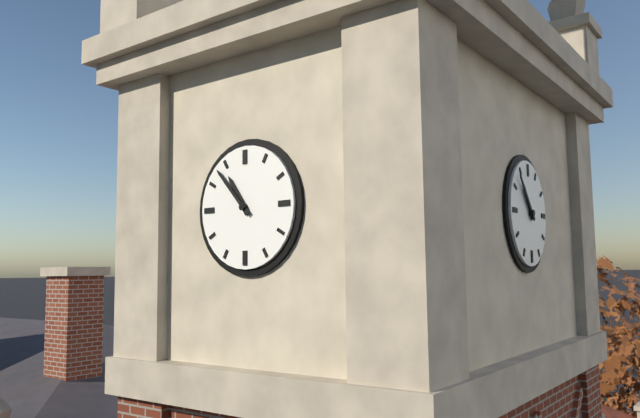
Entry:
10 h 53 min
